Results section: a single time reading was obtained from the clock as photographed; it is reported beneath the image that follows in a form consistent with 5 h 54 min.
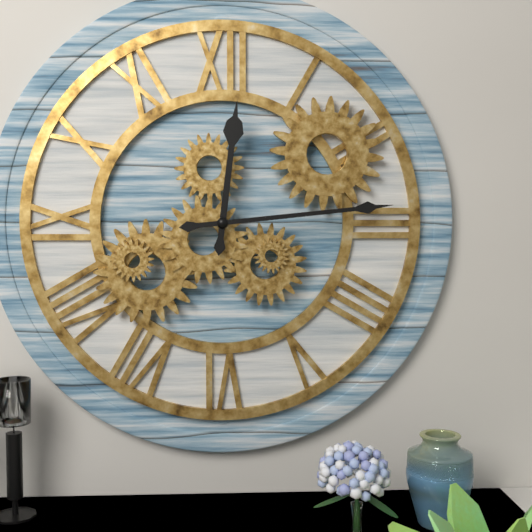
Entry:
12 h 14 min
